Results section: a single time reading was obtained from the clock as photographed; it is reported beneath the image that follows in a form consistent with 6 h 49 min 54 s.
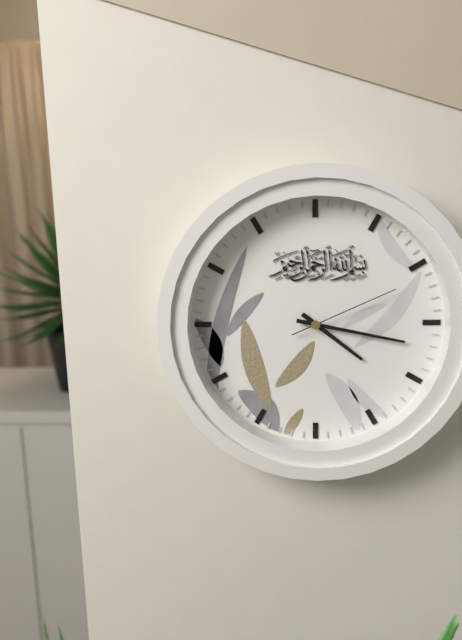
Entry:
4 h 17 min 11 s
